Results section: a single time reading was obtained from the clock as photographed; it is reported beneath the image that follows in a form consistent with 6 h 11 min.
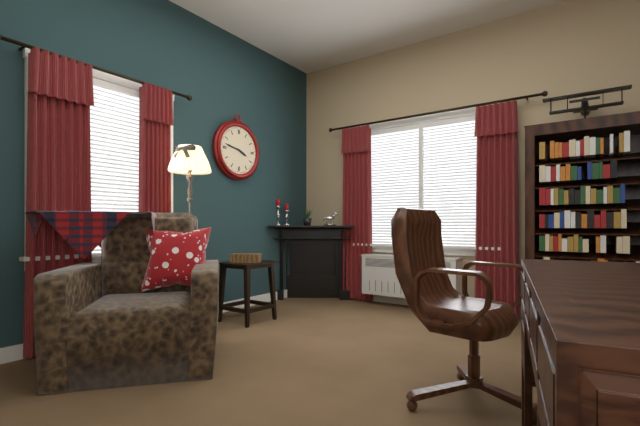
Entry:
3 h 47 min
